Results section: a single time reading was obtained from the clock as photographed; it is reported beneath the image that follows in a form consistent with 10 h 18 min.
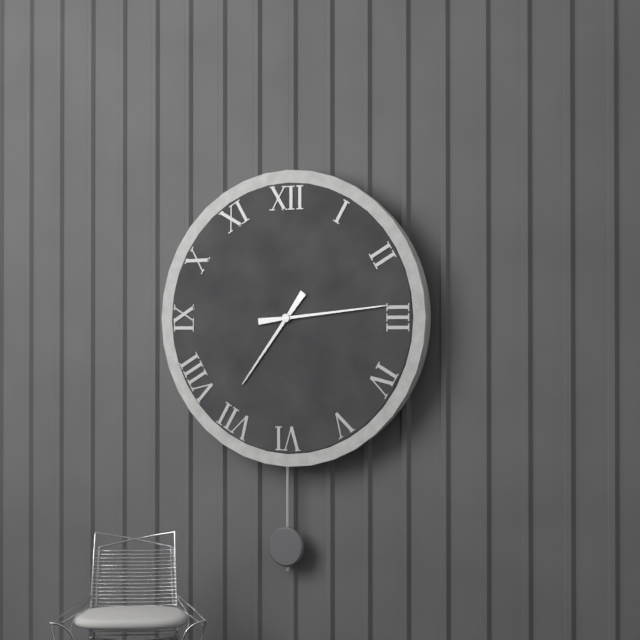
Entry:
7 h 14 min
